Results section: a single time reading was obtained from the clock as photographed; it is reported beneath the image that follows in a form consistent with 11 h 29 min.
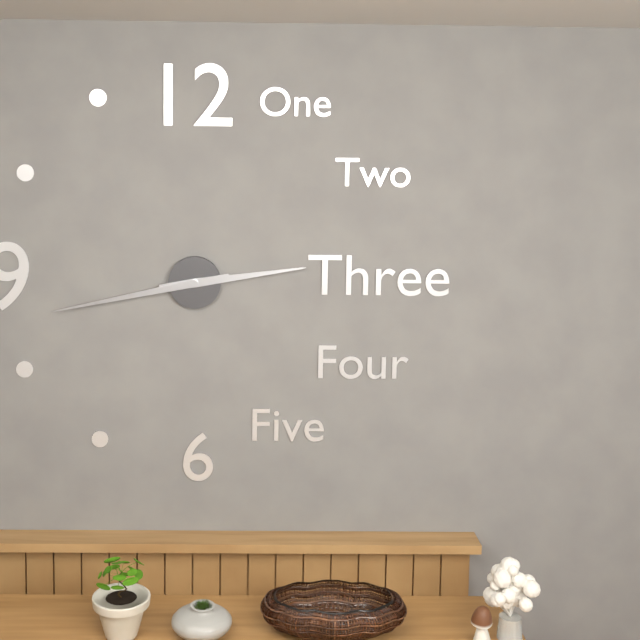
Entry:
2 h 43 min
